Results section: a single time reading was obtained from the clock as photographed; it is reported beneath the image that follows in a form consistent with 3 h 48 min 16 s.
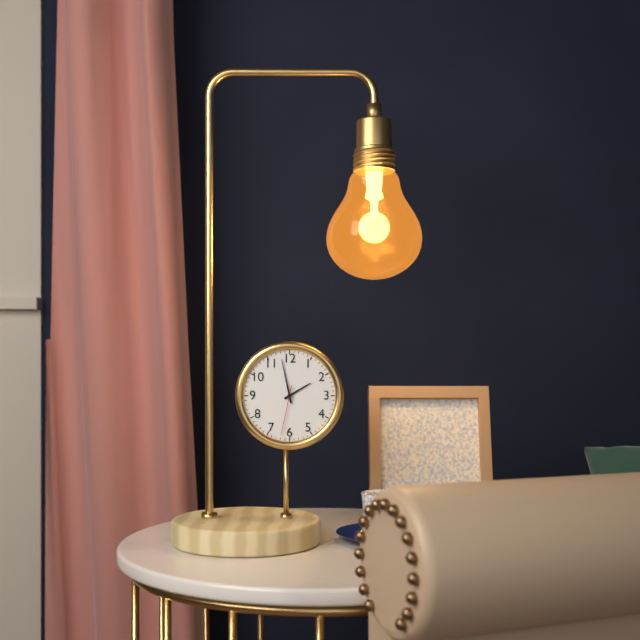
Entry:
1 h 58 min 32 s
